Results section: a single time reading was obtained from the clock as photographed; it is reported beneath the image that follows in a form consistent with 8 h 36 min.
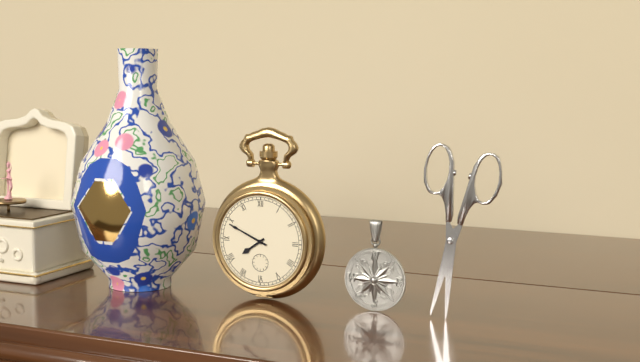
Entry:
7 h 49 min
